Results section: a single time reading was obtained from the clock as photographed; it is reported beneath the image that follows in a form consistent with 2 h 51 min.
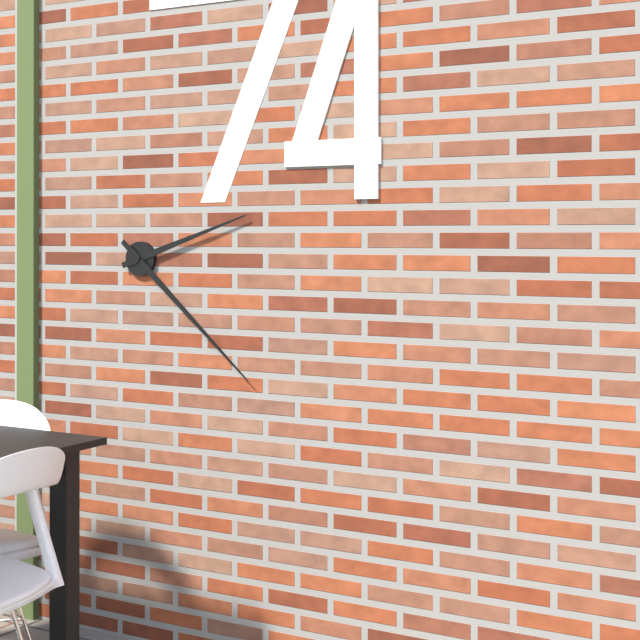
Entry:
2 h 22 min
